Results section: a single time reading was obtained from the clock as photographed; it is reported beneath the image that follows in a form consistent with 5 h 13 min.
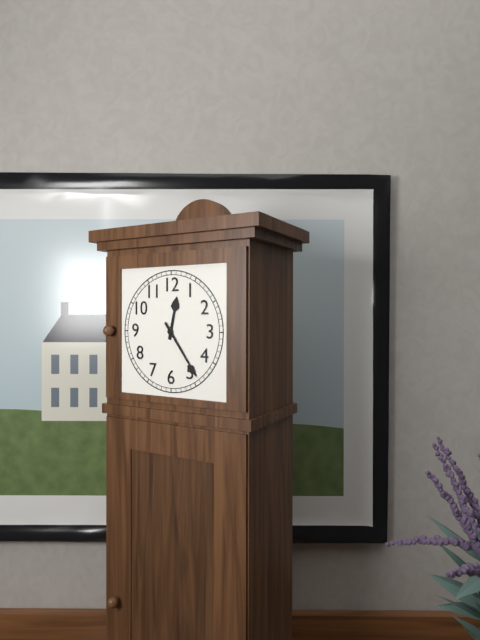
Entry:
12 h 24 min
